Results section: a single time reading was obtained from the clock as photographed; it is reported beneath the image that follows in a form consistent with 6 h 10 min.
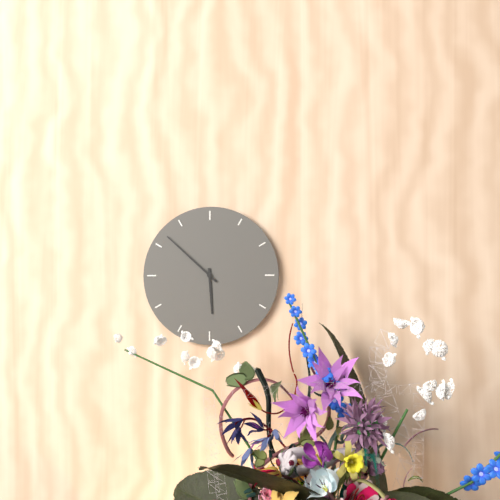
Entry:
5 h 52 min
